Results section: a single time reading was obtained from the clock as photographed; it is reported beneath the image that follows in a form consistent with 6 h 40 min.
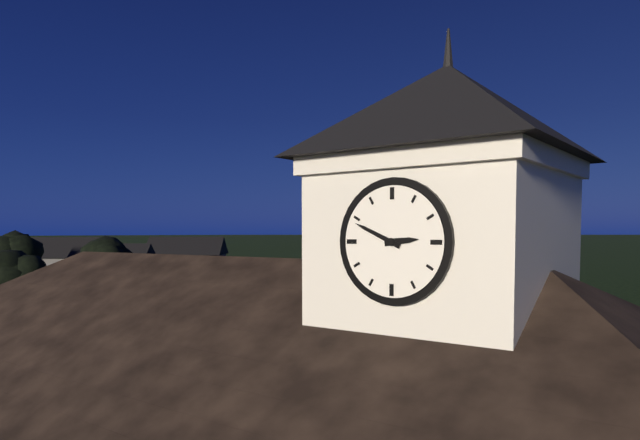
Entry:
2 h 49 min
